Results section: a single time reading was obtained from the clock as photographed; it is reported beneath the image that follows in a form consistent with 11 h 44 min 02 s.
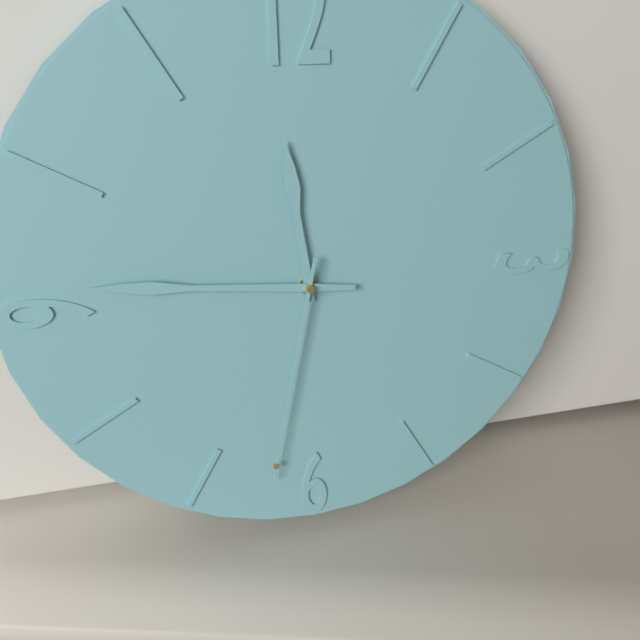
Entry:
11 h 46 min 32 s
